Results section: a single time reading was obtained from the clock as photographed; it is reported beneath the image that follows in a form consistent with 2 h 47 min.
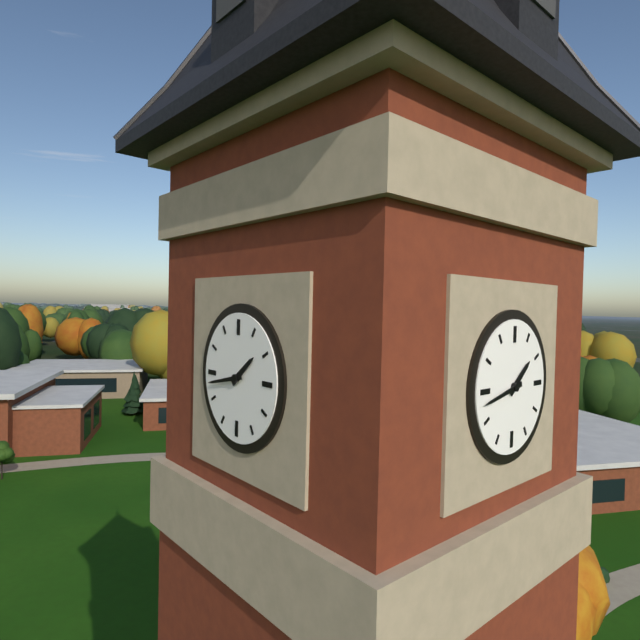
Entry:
1 h 43 min
